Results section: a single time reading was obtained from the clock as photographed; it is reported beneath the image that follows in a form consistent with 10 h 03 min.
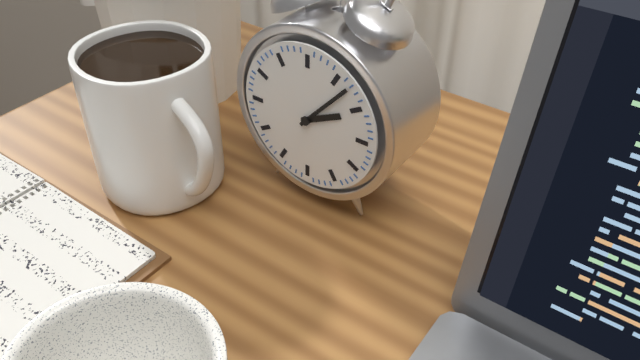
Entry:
2 h 07 min
